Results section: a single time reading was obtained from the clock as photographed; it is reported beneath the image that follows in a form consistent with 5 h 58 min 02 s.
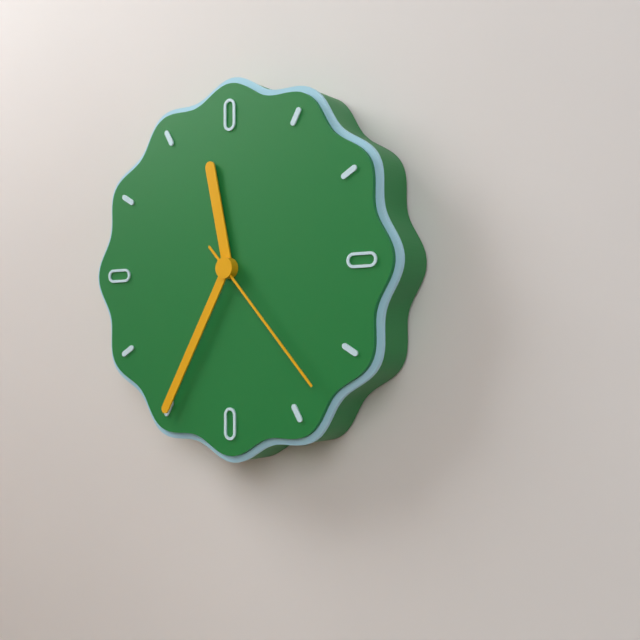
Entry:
11 h 35 min 23 s
